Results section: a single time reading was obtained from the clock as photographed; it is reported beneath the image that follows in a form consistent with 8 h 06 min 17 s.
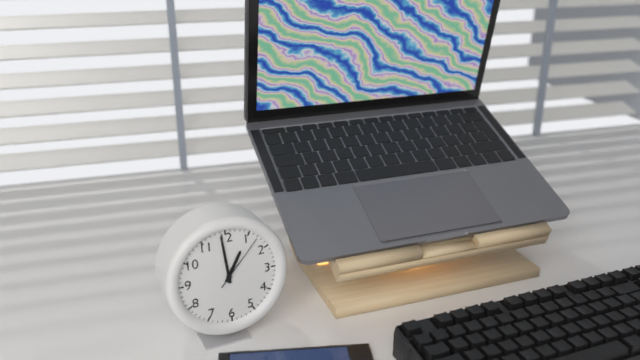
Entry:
12 h 59 min 07 s
